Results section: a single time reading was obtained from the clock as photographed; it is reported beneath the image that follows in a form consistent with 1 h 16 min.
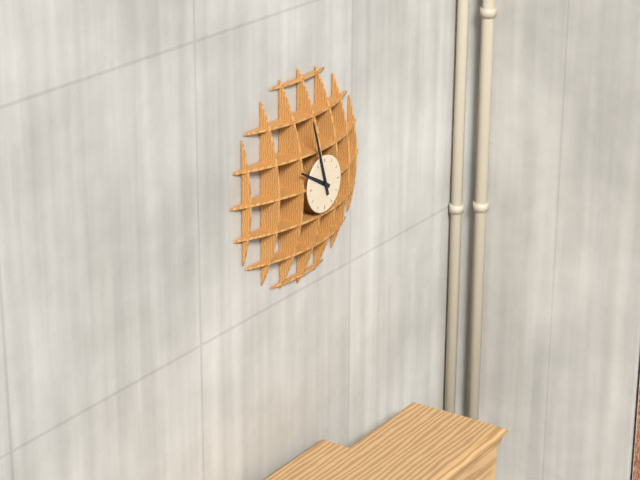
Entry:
9 h 57 min
